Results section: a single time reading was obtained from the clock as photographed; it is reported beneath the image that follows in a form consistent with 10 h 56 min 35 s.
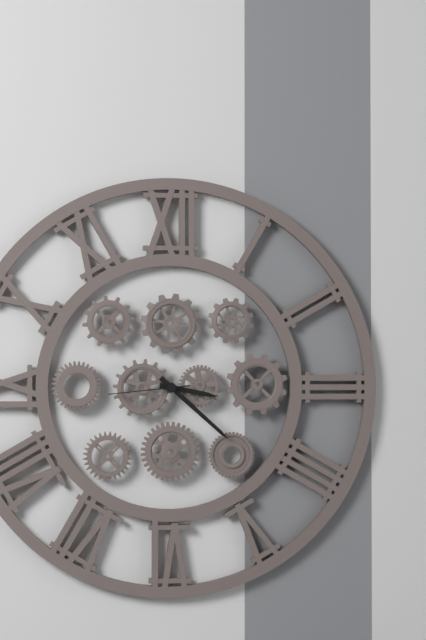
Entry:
3 h 22 min 44 s
